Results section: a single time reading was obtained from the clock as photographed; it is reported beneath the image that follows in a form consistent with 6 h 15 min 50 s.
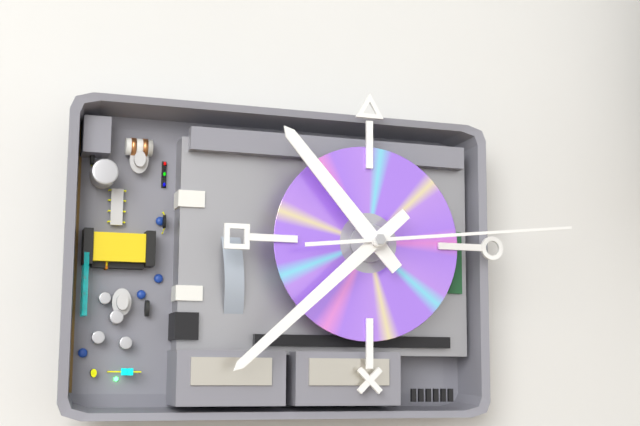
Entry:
10 h 38 min 14 s
